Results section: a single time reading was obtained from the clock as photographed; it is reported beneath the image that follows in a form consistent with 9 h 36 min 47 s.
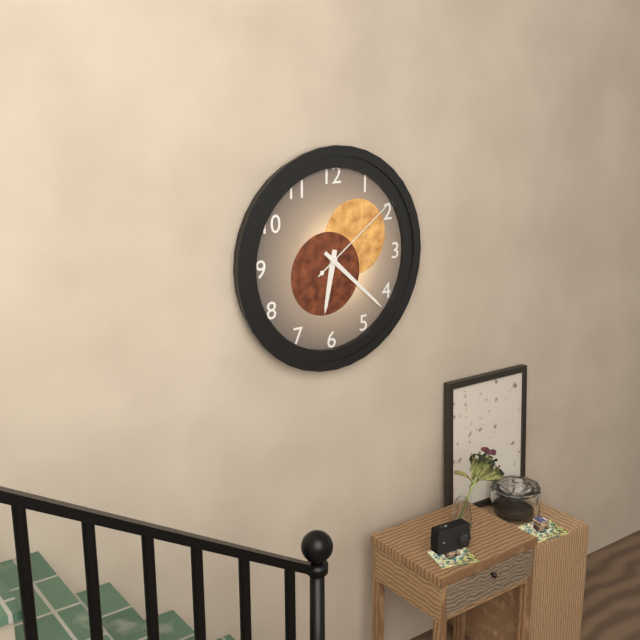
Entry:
6 h 22 min 09 s
